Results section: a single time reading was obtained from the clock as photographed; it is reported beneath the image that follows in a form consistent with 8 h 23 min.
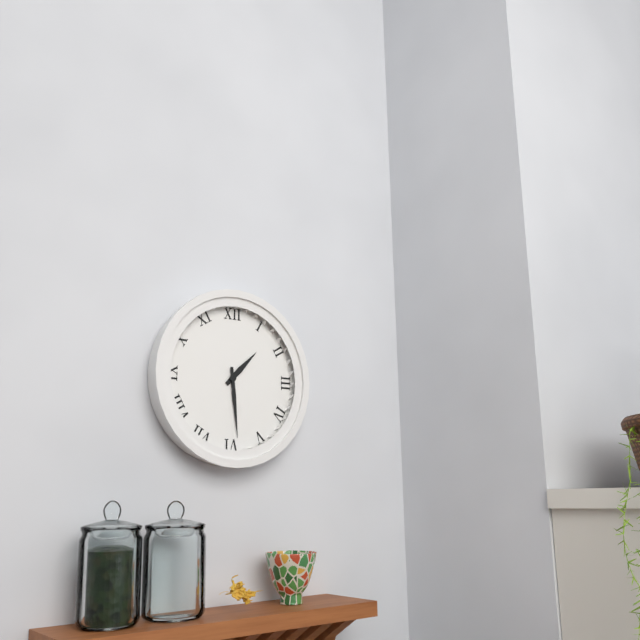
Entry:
1 h 29 min
